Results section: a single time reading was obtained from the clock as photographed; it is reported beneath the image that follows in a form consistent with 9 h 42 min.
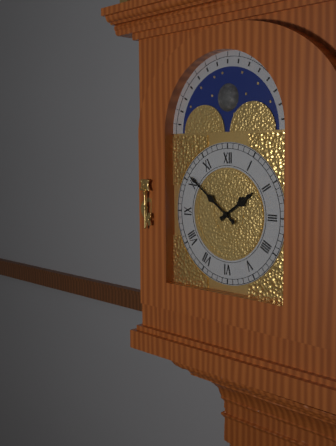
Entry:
1 h 51 min
